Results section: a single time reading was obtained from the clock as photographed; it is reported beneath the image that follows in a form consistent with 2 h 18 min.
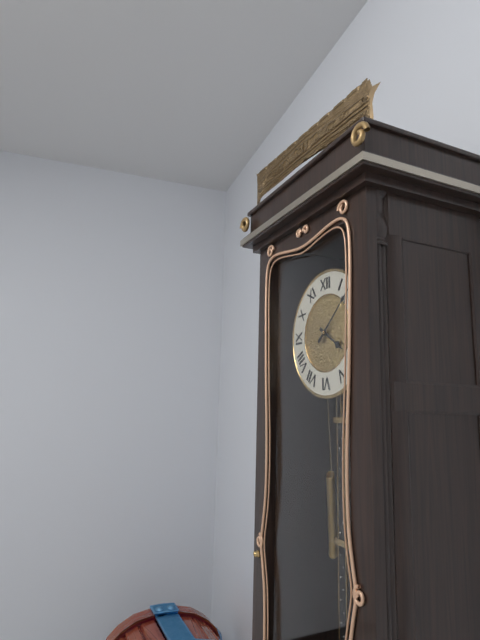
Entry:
4 h 08 min
